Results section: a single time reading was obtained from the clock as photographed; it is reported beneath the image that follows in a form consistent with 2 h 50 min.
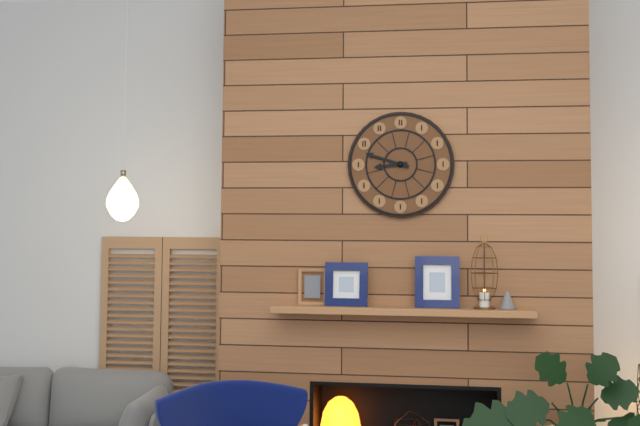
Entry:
8 h 48 min
